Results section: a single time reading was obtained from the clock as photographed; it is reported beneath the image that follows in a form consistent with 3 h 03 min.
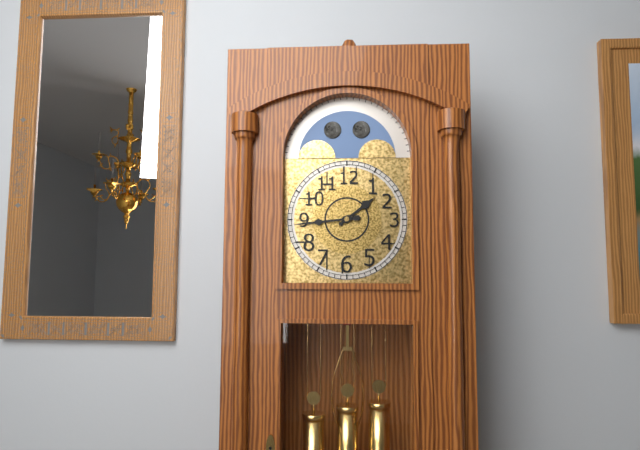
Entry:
1 h 44 min
